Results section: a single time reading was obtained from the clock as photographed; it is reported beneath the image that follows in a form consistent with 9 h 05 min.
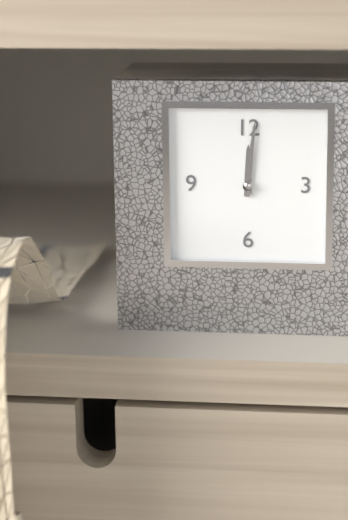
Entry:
12 h 01 min
